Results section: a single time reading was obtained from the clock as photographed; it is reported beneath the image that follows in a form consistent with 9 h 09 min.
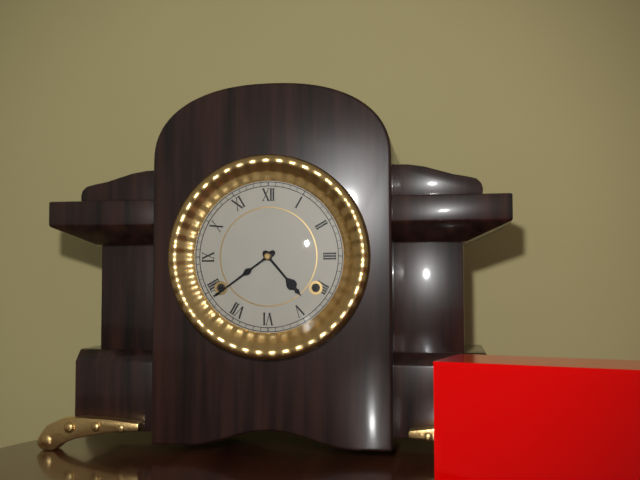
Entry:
4 h 39 min
